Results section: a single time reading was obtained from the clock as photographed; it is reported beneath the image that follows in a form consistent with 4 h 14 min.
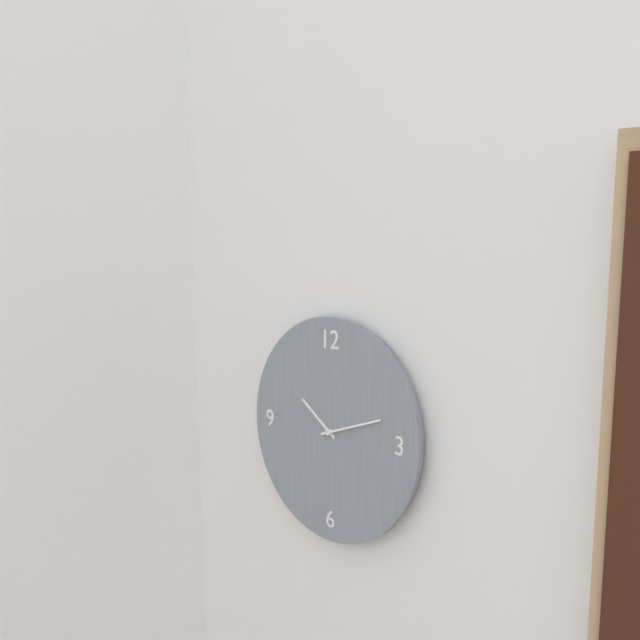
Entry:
10 h 12 min
